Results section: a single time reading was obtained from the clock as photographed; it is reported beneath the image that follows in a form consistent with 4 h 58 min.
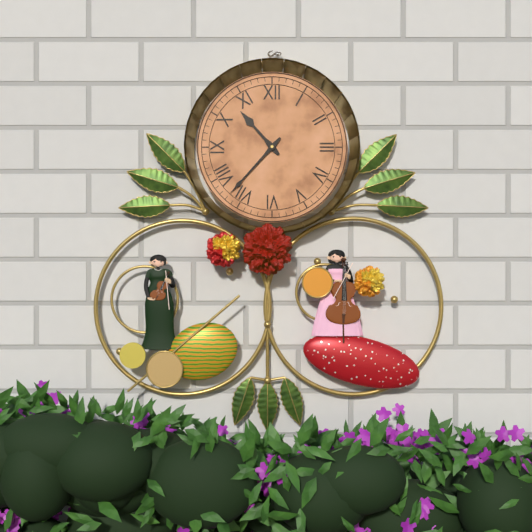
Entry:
10 h 37 min
